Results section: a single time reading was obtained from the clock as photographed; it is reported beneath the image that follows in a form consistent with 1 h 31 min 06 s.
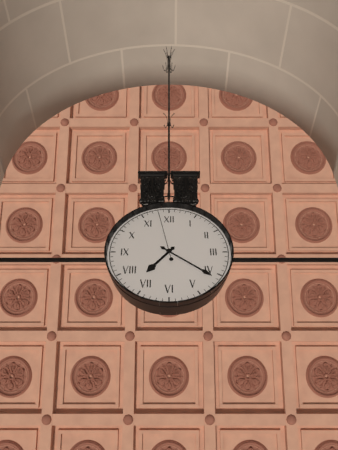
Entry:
7 h 21 min 58 s
